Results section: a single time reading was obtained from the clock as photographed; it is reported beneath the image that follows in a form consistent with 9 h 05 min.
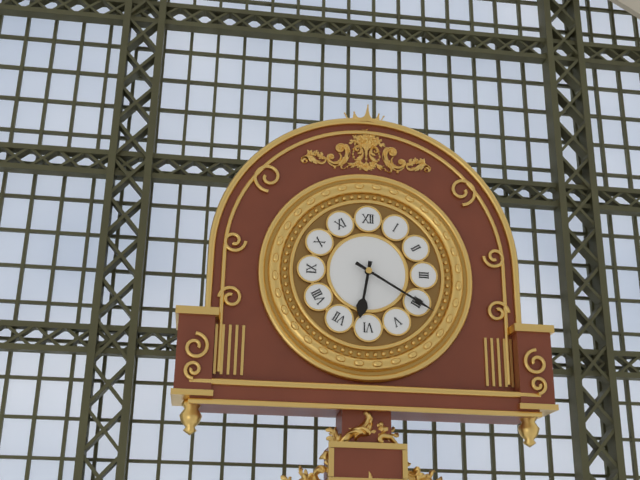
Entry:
6 h 20 min
